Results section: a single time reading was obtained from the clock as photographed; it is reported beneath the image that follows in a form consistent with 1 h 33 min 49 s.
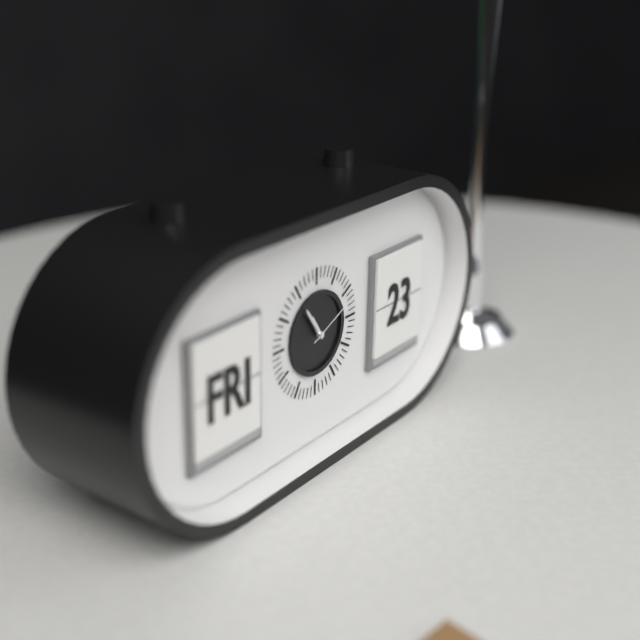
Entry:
10 h 54 min 11 s
